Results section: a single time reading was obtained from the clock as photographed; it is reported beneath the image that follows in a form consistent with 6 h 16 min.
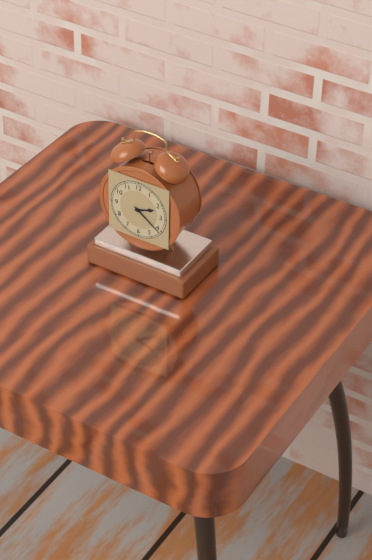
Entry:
2 h 21 min
